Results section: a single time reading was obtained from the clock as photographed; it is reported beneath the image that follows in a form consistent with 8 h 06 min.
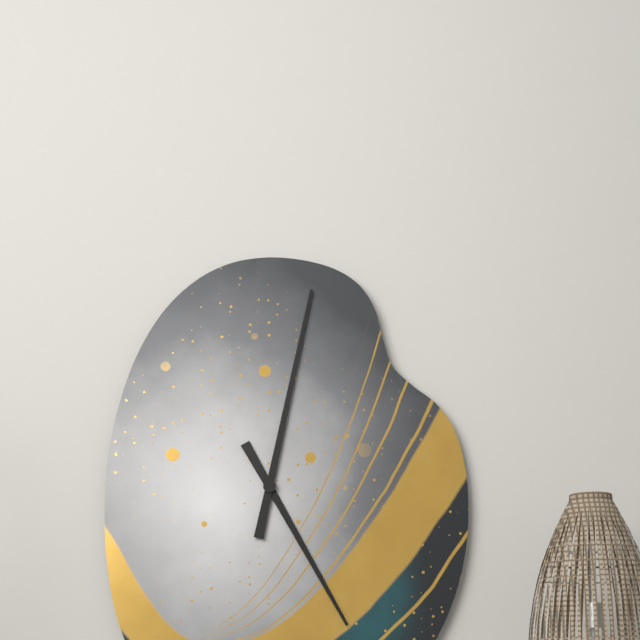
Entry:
5 h 02 min
